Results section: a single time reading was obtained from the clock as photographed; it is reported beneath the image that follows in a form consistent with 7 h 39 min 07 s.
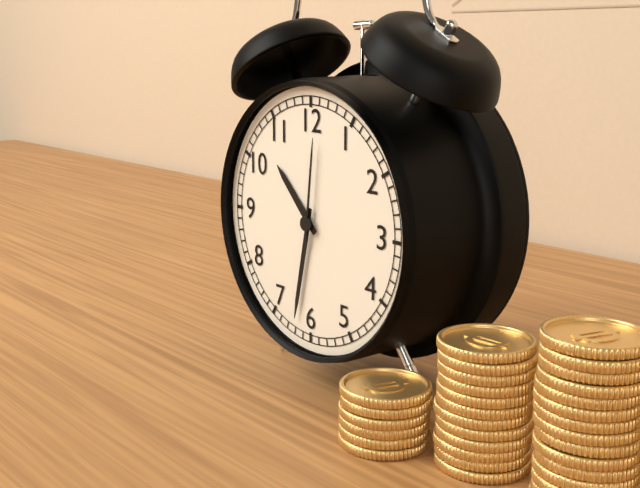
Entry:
10 h 32 min 01 s
